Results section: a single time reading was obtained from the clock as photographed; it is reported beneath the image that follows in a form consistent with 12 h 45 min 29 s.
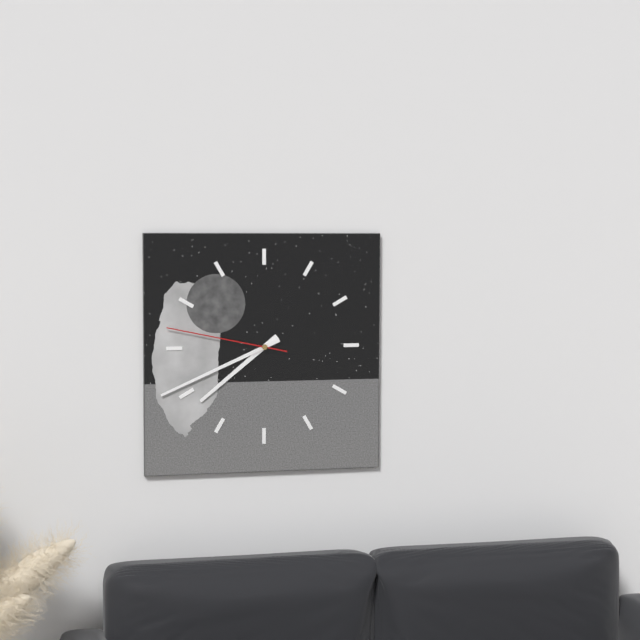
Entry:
7 h 41 min 47 s
